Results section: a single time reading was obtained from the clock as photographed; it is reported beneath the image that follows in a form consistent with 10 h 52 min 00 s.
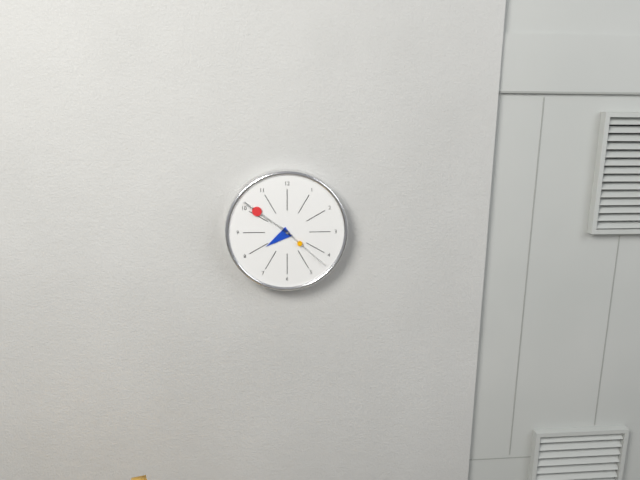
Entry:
7 h 51 min 22 s
